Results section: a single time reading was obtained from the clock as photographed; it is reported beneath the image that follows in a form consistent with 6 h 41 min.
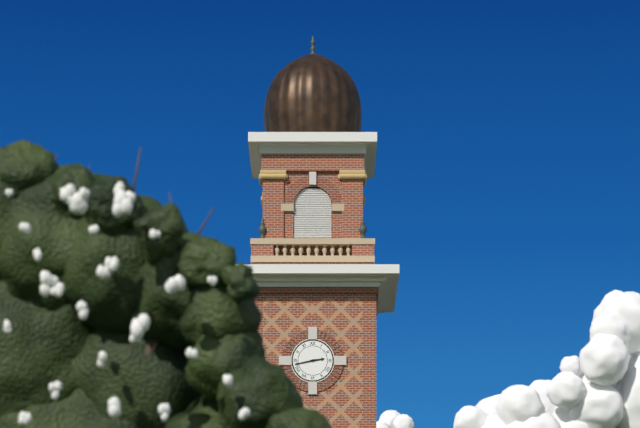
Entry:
2 h 43 min
